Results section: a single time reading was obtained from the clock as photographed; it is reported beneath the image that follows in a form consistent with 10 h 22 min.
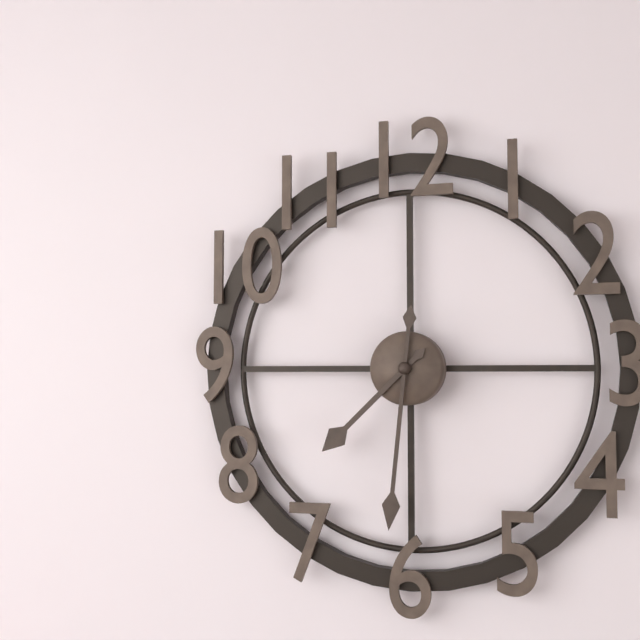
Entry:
7 h 31 min
